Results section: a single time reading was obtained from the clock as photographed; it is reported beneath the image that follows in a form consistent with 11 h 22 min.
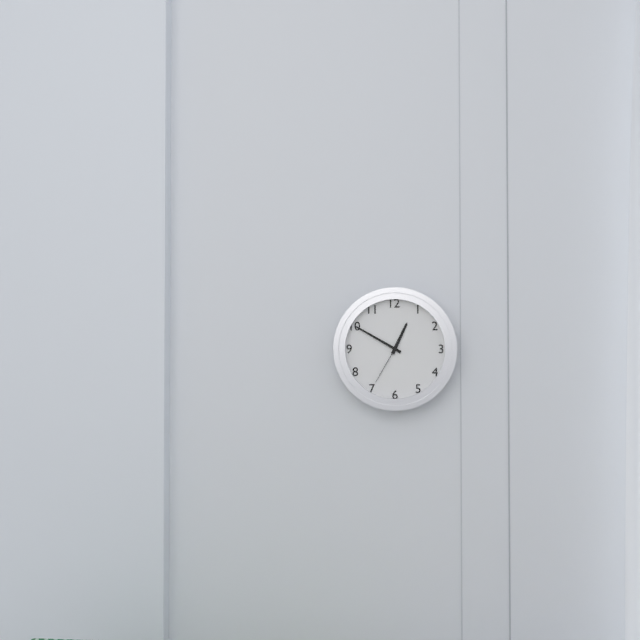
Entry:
12 h 50 min
